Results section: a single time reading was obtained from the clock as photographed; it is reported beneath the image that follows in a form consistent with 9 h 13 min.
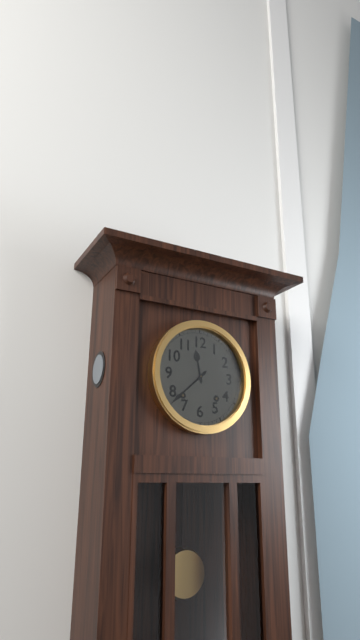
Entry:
11 h 38 min
